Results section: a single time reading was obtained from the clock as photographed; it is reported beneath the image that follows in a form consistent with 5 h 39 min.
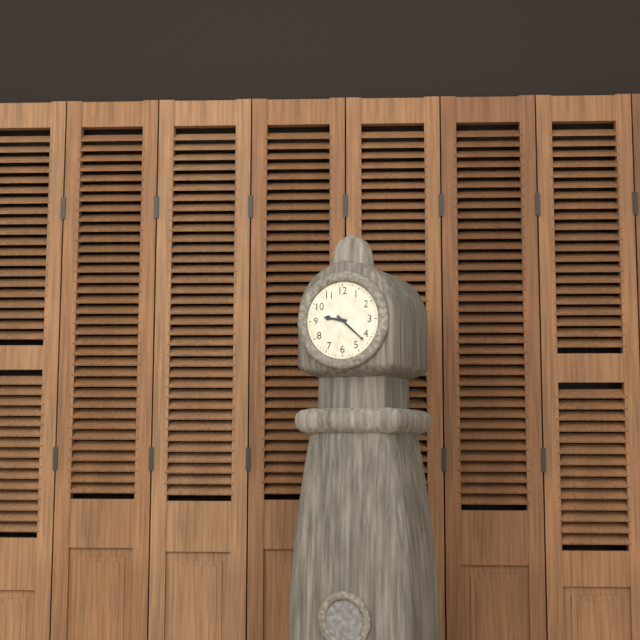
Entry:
9 h 22 min
